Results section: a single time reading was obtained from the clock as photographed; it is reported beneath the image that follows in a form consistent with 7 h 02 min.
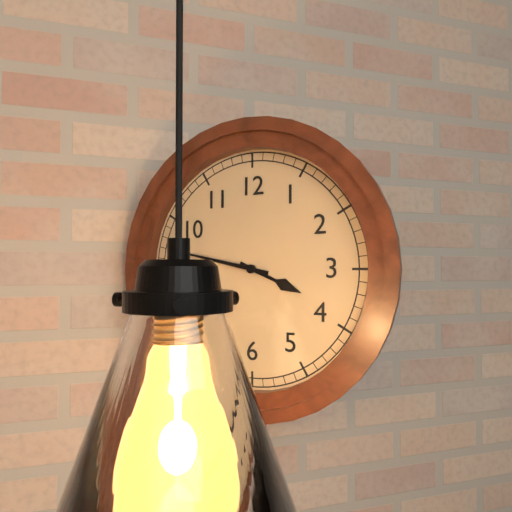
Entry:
3 h 47 min
